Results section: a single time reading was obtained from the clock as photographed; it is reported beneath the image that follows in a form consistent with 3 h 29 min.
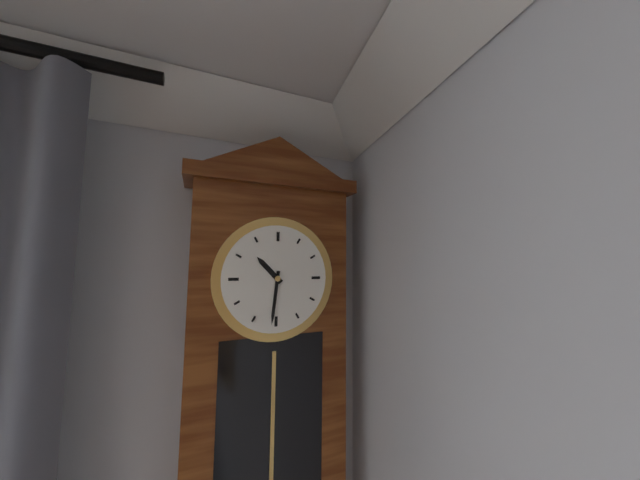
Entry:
10 h 31 min
